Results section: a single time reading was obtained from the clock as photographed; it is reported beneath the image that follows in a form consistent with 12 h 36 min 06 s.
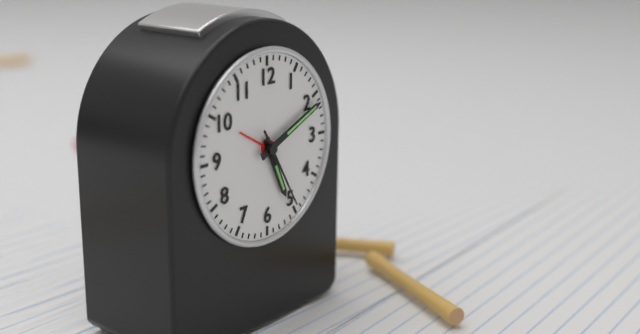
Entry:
5 h 11 min 25 s
